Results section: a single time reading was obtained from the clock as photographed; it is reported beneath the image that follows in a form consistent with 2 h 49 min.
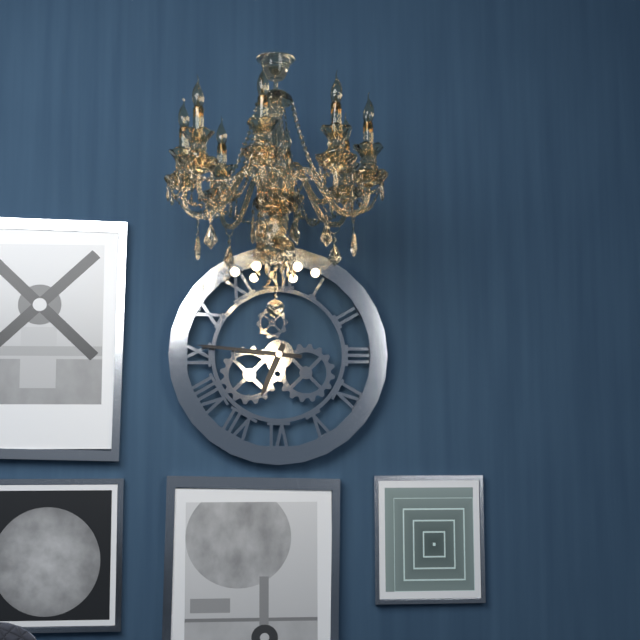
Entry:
6 h 46 min
